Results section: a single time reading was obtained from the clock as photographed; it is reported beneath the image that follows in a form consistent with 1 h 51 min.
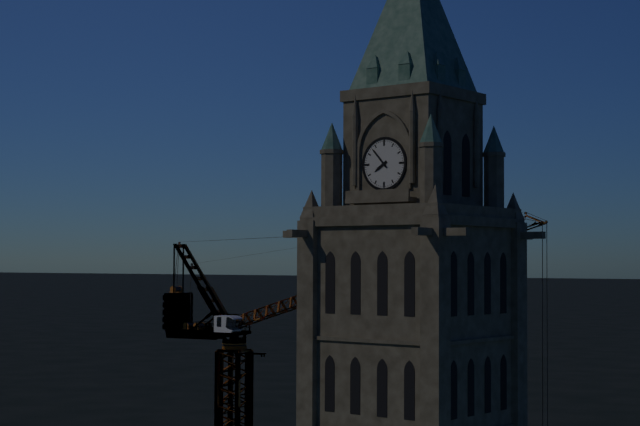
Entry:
7 h 53 min
